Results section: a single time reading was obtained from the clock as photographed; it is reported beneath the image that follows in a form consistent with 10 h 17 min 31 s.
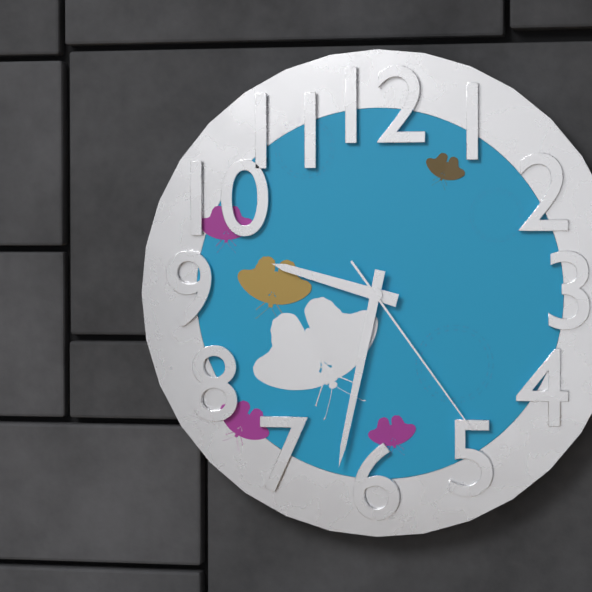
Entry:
9 h 32 min 24 s
